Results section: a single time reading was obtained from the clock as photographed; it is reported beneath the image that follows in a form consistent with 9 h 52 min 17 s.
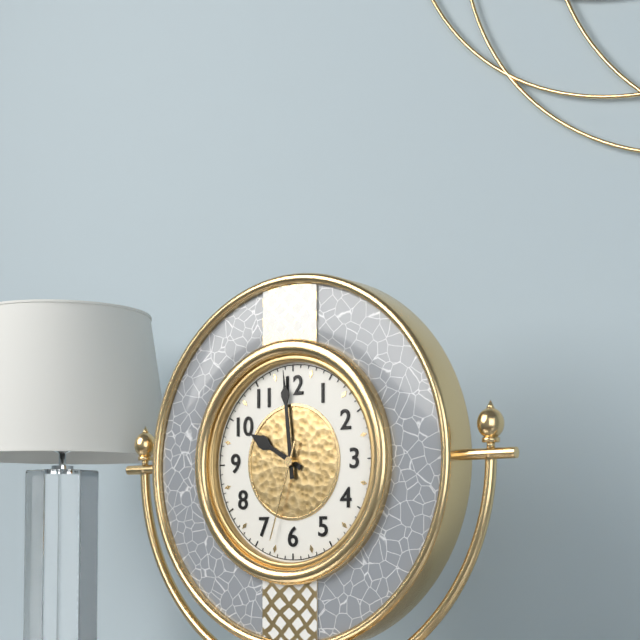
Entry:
9 h 59 min 33 s
